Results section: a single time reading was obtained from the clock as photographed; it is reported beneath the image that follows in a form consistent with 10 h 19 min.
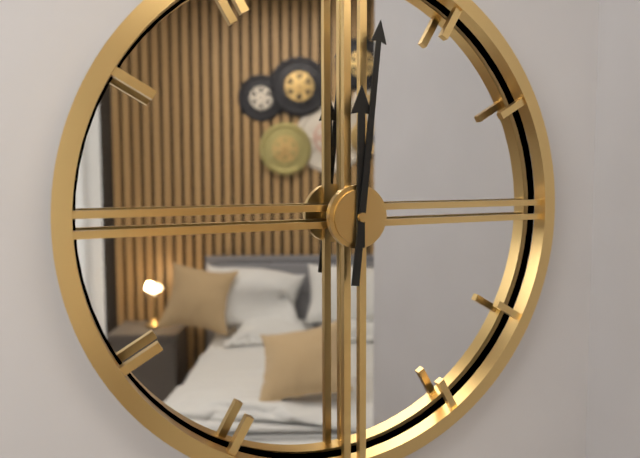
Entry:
12 h 01 min
